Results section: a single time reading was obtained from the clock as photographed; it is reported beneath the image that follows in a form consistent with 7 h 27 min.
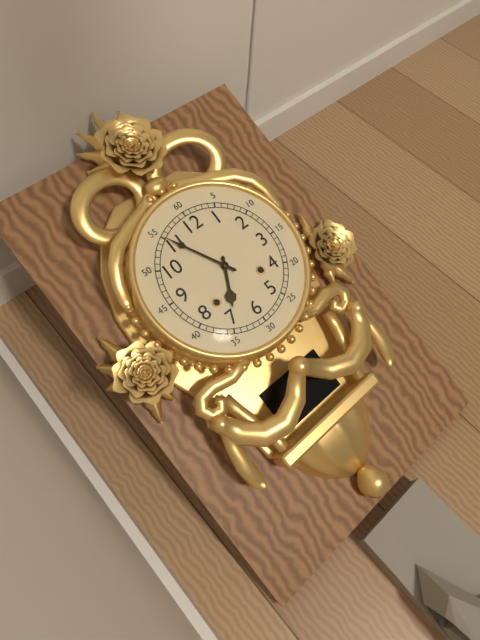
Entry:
6 h 55 min
